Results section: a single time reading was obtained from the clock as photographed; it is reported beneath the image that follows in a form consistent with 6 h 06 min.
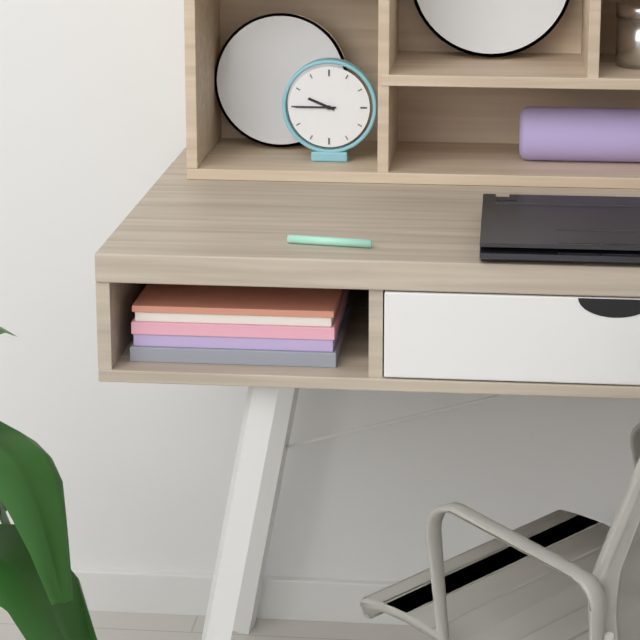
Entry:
9 h 45 min
